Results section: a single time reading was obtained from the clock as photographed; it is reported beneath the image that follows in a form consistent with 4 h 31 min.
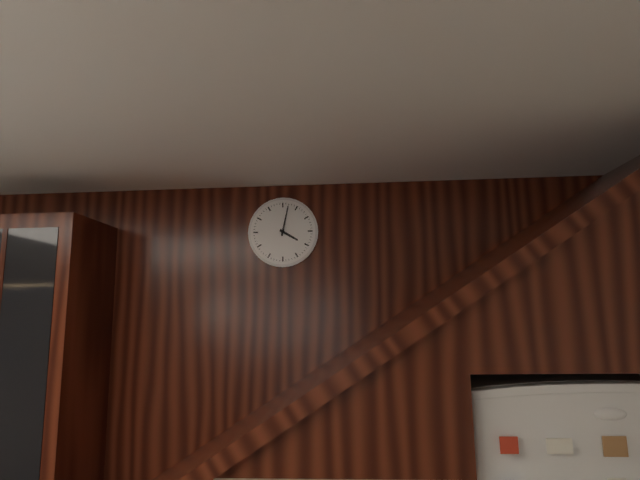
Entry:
4 h 02 min
